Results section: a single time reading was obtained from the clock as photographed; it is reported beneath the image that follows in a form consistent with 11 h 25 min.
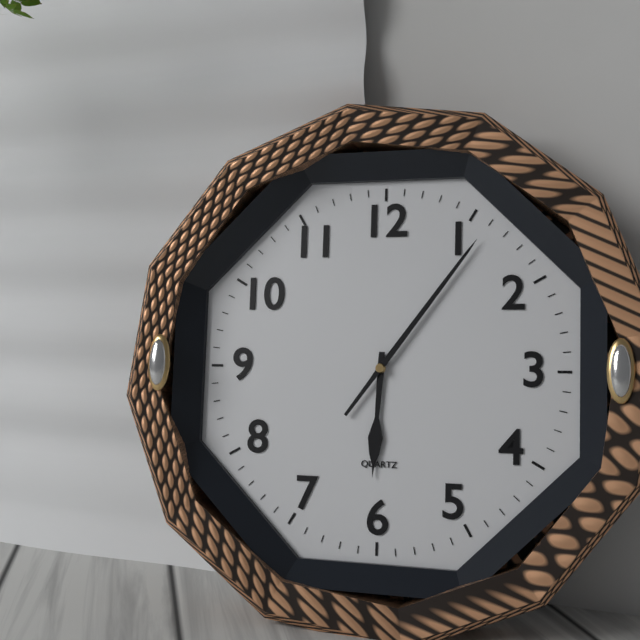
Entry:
6 h 06 min
